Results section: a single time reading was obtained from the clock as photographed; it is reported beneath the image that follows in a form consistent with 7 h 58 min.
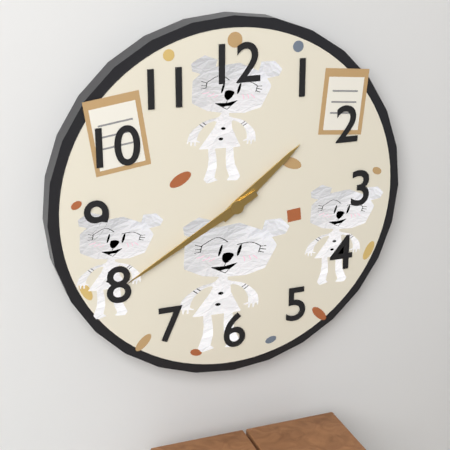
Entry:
1 h 40 min
